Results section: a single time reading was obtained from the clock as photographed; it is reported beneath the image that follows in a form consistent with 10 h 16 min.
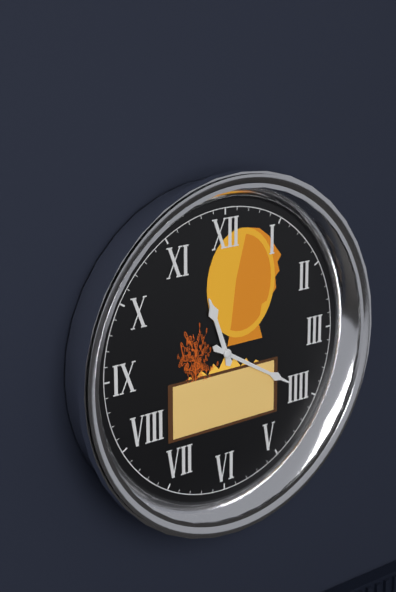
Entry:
11 h 20 min
